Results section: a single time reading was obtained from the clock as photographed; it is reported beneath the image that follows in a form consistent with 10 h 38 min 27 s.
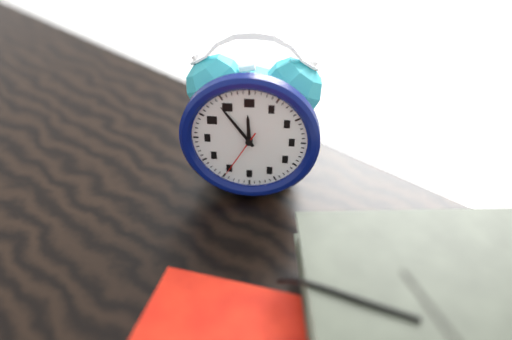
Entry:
11 h 54 min 35 s
